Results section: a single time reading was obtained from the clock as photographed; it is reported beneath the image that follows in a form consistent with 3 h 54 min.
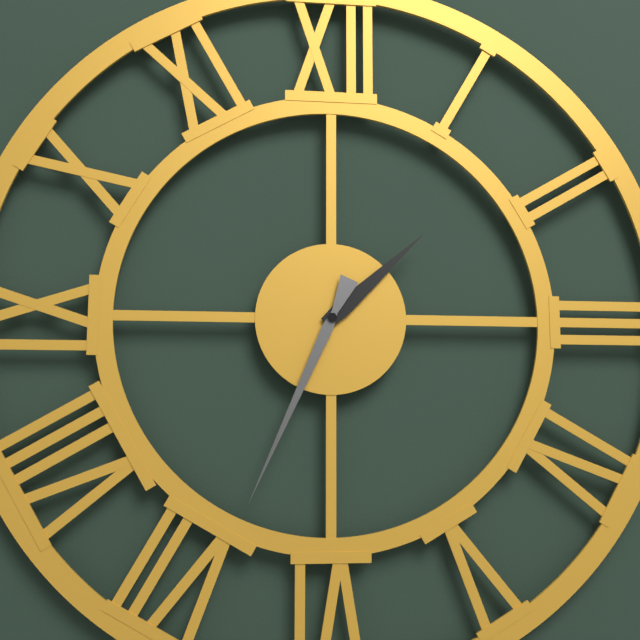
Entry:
1 h 34 min
